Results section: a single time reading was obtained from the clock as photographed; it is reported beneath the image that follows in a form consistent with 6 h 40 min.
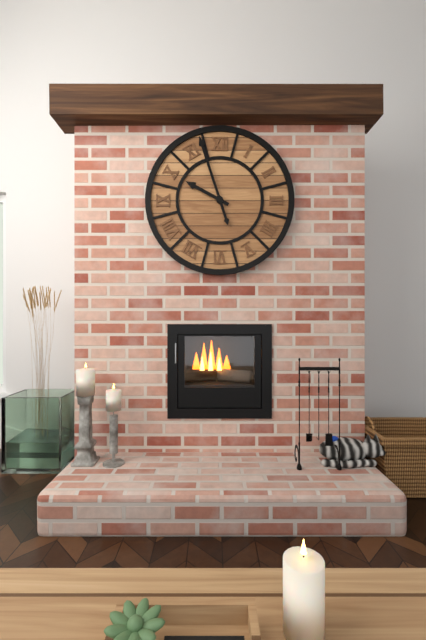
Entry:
9 h 57 min
